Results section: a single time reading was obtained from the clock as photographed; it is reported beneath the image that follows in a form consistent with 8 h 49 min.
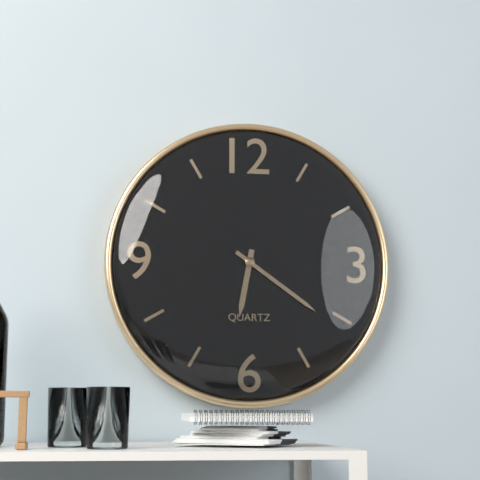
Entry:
6 h 21 min
